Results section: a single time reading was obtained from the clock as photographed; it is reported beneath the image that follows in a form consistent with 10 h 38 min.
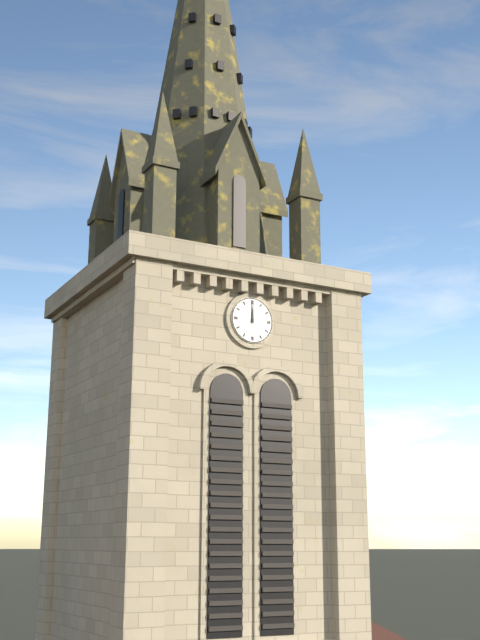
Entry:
12 h 00 min
